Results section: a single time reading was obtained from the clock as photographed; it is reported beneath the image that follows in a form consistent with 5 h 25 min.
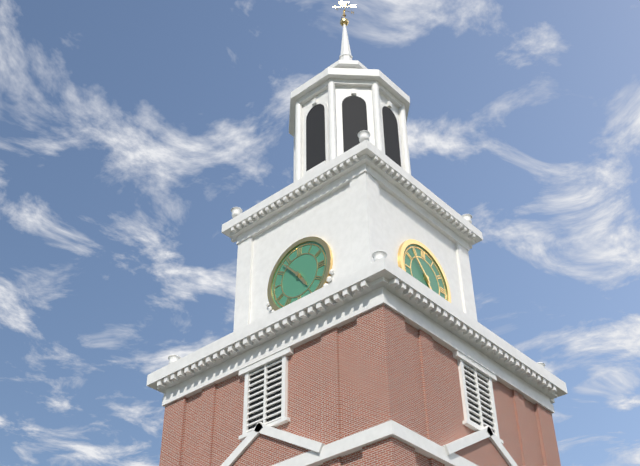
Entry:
4 h 53 min
